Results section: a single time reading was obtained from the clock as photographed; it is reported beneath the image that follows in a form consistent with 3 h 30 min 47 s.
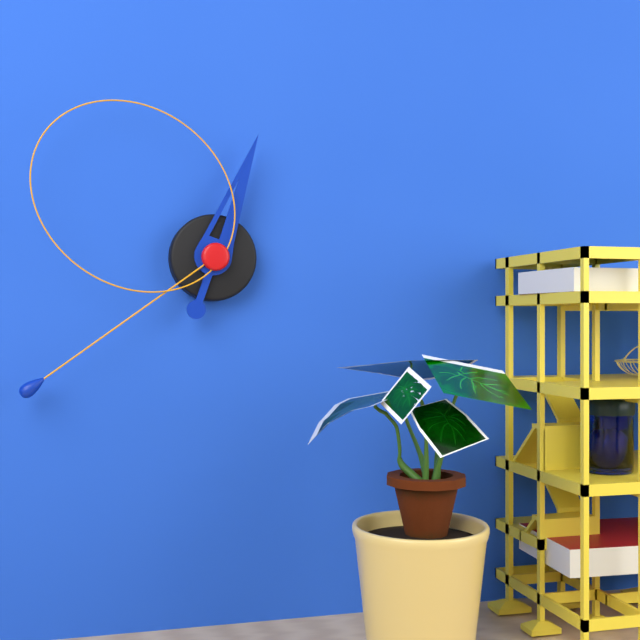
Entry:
12 h 39 min 51 s
